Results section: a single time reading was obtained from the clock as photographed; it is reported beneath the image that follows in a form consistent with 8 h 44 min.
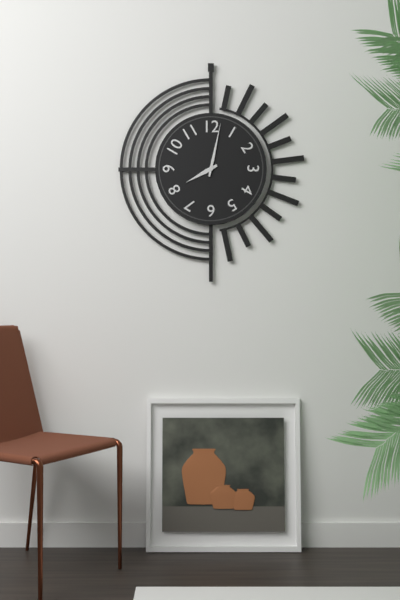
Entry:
8 h 02 min
